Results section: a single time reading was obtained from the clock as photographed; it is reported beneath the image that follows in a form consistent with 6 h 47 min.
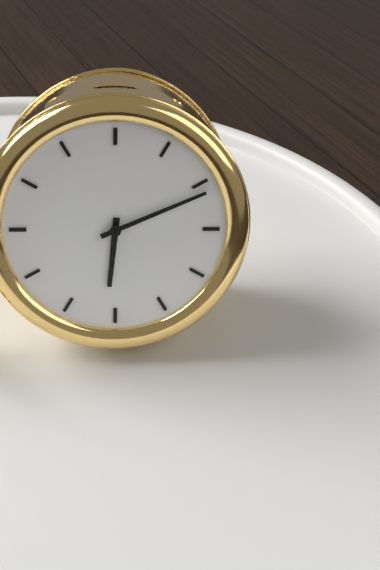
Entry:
6 h 11 min
